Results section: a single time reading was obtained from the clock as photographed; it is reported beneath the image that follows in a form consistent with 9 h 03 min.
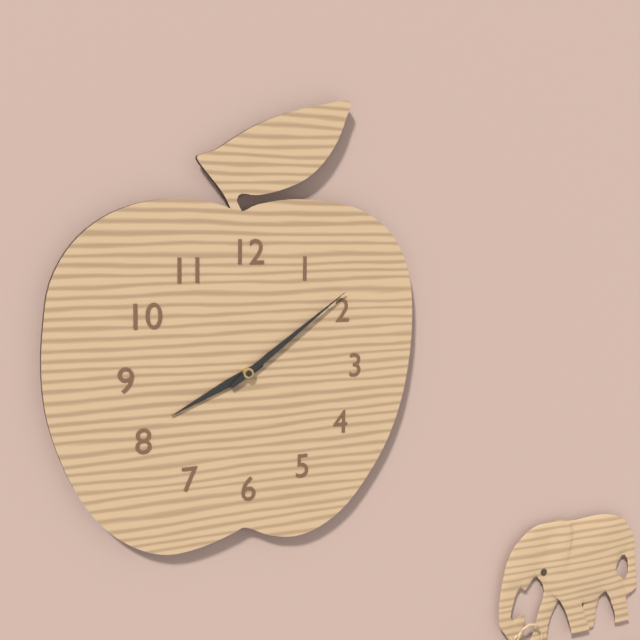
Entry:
8 h 09 min
